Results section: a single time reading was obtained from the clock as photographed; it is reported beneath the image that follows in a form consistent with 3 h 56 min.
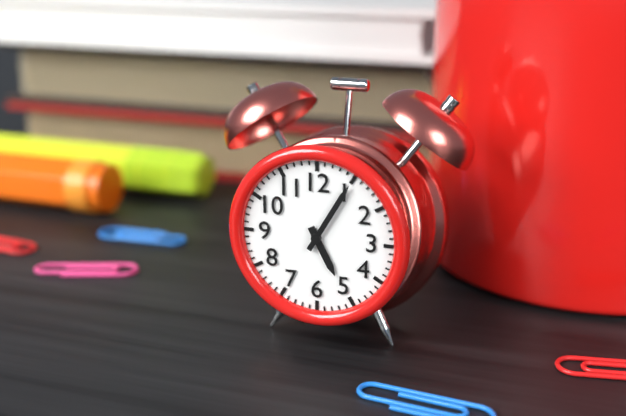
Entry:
5 h 05 min
